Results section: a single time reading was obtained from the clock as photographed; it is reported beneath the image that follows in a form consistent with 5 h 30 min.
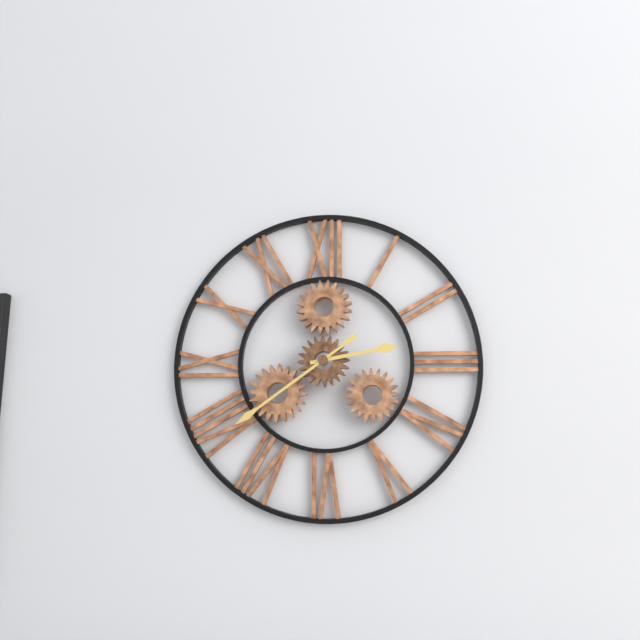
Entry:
2 h 39 min
